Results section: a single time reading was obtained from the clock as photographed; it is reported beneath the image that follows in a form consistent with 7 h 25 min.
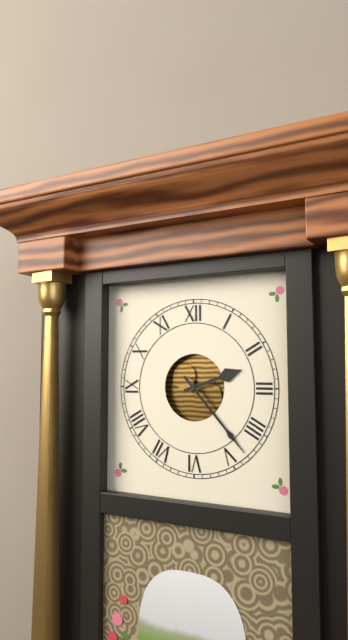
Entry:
2 h 23 min
